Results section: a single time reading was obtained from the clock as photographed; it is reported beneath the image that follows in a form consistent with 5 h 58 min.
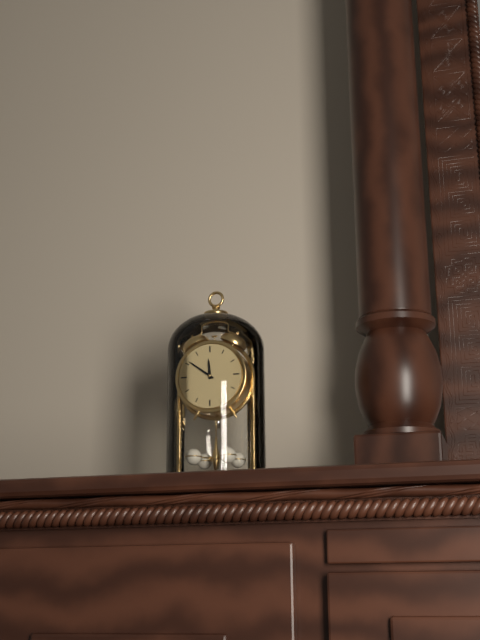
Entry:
11 h 51 min
